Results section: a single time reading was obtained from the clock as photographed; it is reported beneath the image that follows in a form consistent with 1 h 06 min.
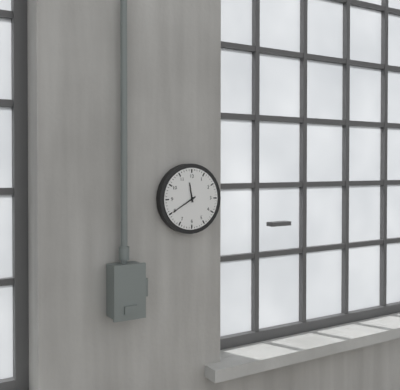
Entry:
11 h 40 min
